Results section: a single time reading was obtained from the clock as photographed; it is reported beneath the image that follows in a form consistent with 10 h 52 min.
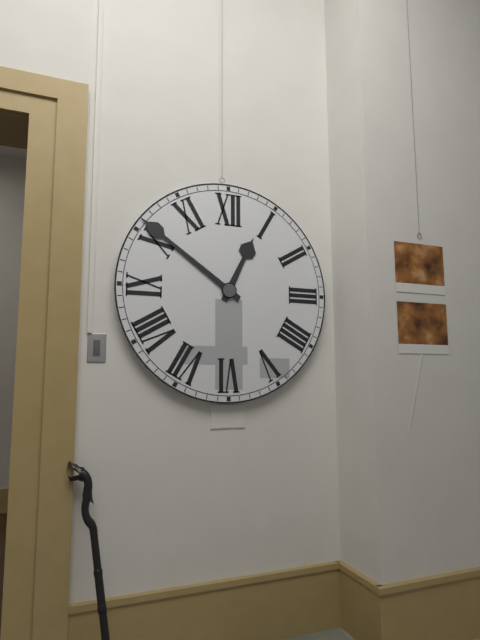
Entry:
12 h 51 min
